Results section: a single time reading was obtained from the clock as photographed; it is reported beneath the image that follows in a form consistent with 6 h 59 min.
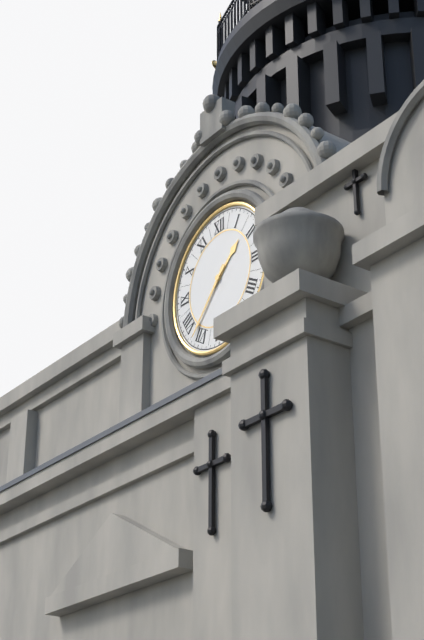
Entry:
1 h 37 min
